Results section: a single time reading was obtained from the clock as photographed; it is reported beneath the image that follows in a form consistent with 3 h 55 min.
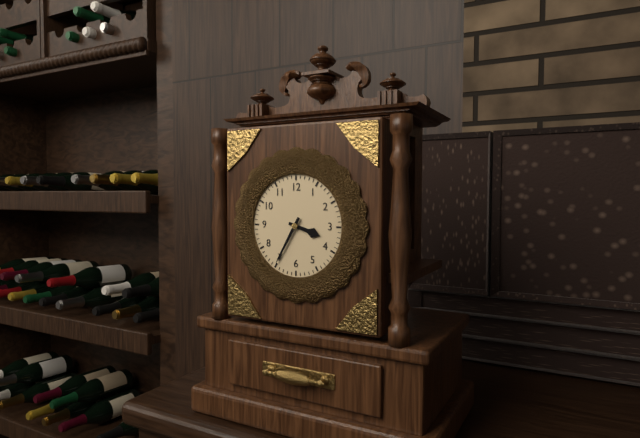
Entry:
3 h 35 min
